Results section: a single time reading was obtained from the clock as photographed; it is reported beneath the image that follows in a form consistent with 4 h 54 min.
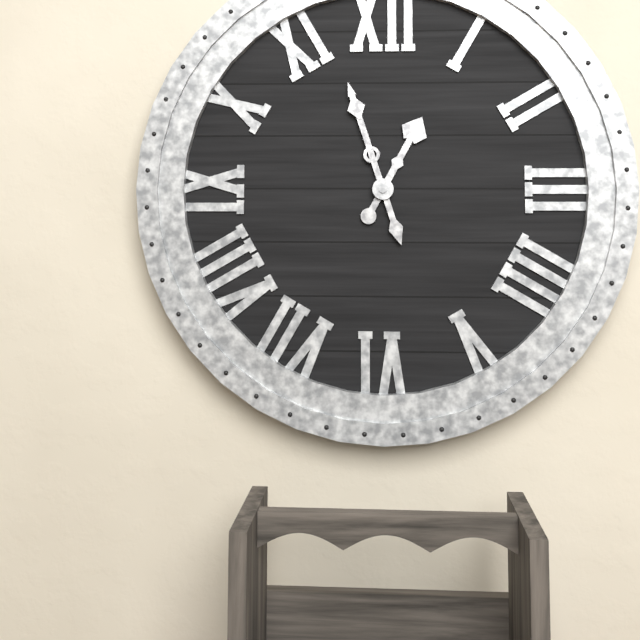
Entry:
12 h 57 min
